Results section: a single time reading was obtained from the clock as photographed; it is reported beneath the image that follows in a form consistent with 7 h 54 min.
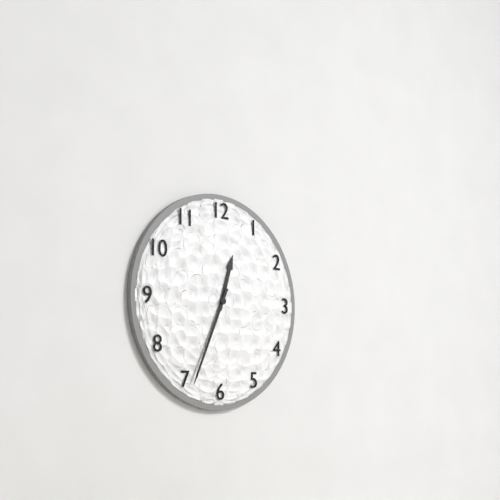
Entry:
12 h 34 min
